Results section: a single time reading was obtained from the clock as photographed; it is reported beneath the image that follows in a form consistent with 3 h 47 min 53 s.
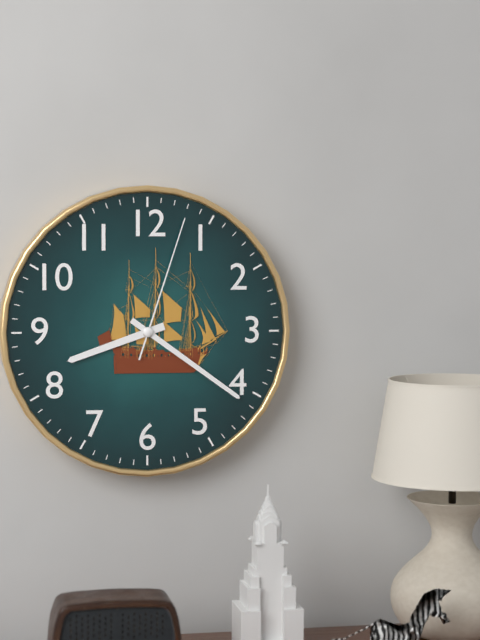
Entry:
8 h 21 min 03 s
